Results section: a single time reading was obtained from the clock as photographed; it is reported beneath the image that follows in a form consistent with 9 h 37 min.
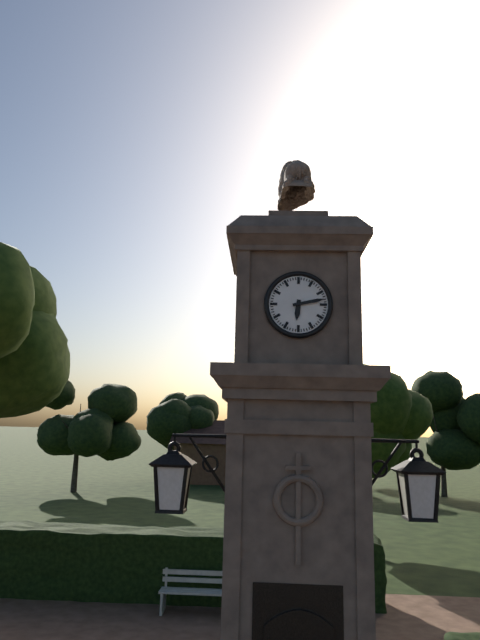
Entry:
6 h 13 min
